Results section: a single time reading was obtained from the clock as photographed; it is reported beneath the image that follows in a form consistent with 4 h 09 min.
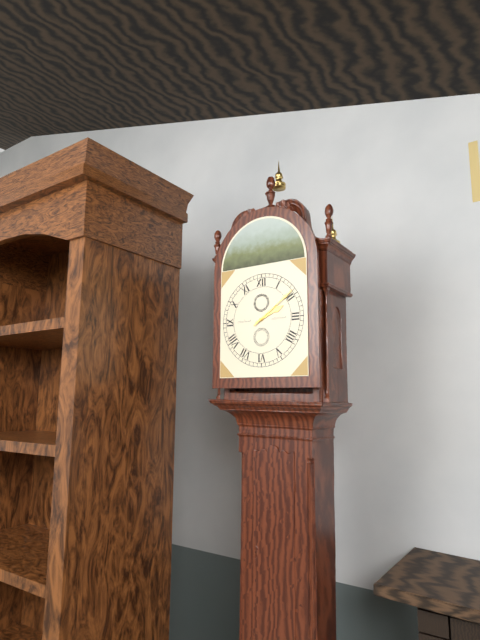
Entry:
2 h 09 min
